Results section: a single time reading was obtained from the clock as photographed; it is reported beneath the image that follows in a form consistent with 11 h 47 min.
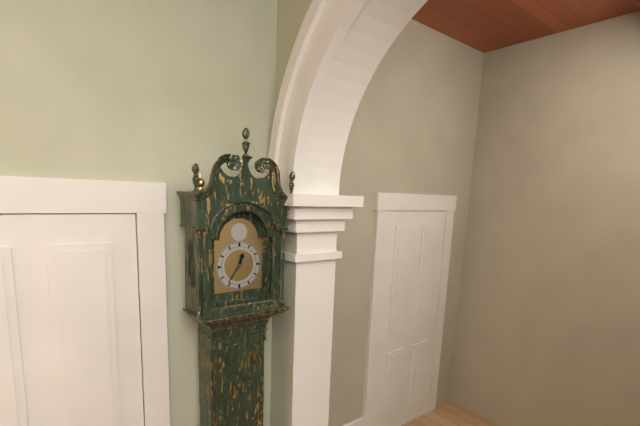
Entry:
12 h 36 min
